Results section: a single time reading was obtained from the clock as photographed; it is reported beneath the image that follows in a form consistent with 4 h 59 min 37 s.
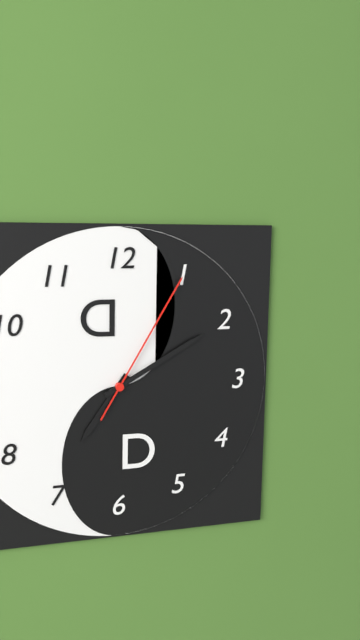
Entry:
7 h 10 min 05 s
